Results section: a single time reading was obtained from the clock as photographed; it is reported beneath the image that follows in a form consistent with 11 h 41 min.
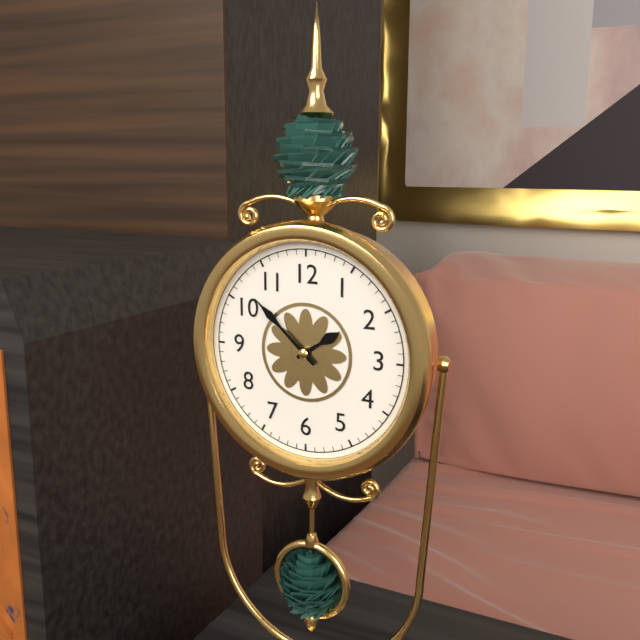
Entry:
1 h 52 min
